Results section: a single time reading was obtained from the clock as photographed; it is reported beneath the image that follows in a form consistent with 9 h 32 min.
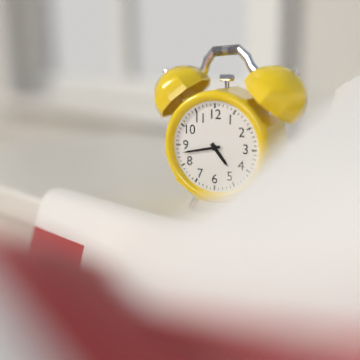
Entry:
4 h 43 min
